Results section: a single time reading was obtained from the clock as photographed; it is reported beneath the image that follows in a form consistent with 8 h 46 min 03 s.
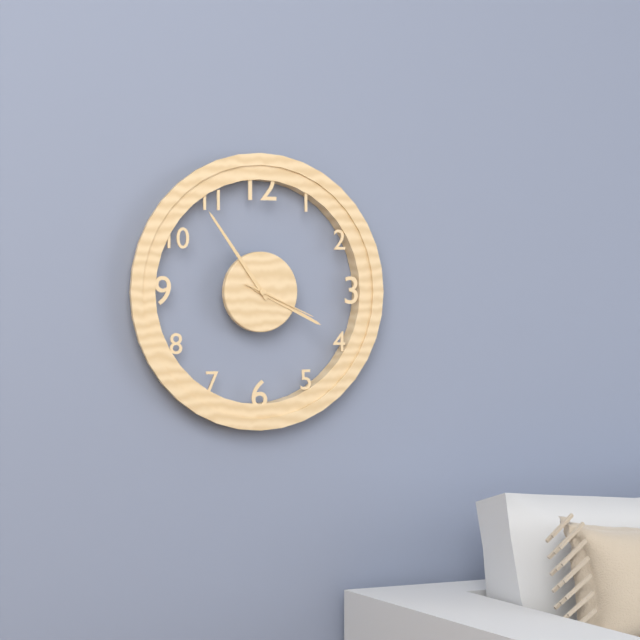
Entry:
3 h 54 min 19 s
